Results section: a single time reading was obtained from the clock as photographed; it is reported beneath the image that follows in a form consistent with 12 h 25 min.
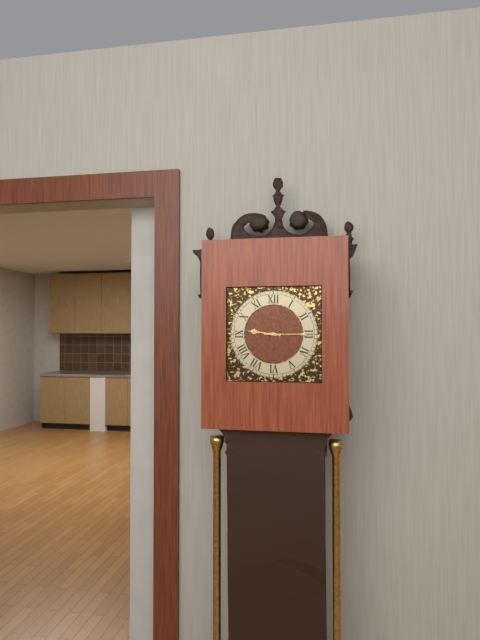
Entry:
9 h 15 min
